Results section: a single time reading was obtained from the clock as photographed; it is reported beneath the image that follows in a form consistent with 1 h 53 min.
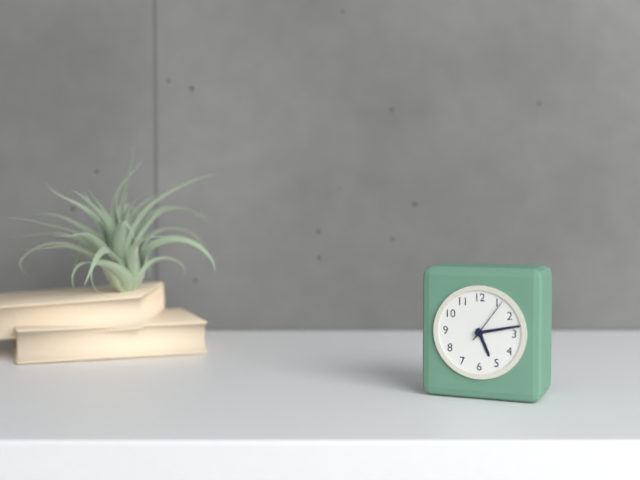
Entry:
5 h 13 min
